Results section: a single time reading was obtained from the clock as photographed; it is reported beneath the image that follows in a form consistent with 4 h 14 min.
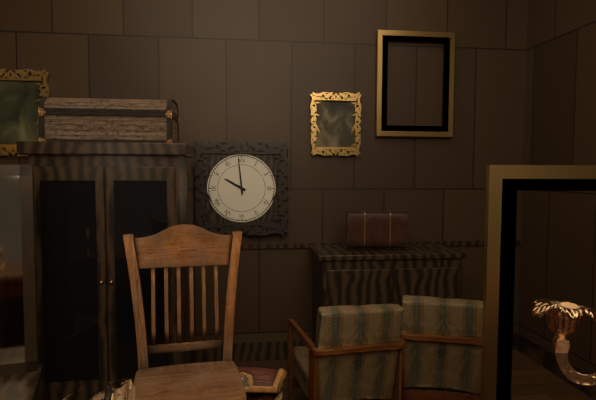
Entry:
9 h 59 min
